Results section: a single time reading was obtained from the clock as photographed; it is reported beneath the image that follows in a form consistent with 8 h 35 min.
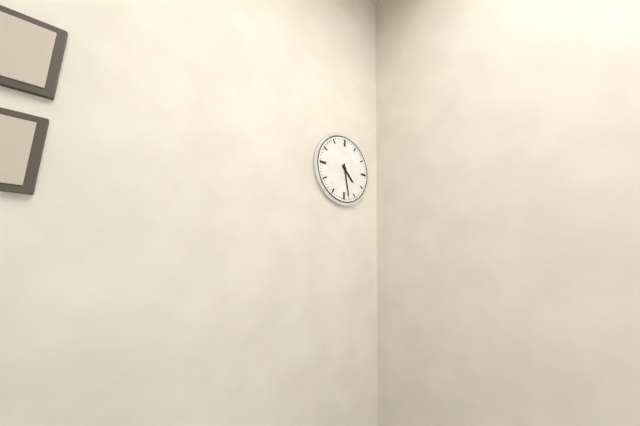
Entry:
4 h 28 min
